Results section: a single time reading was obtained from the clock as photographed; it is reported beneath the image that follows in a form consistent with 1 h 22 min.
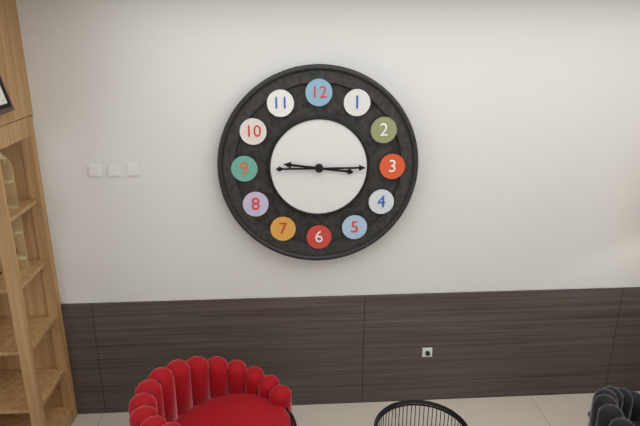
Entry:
9 h 15 min
